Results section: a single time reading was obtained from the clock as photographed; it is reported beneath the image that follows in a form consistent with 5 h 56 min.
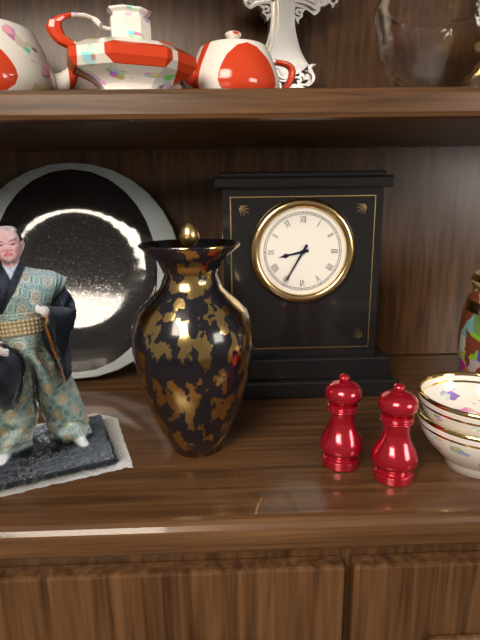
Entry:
8 h 35 min
